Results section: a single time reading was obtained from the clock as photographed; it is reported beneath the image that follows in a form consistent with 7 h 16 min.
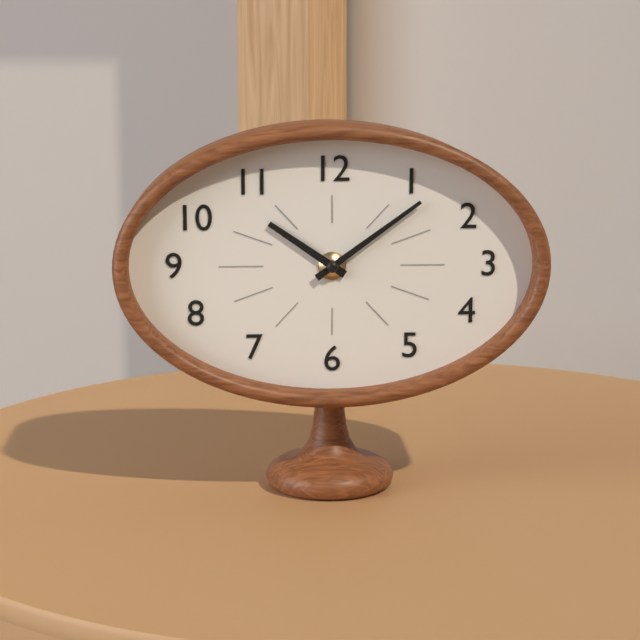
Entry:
10 h 09 min
